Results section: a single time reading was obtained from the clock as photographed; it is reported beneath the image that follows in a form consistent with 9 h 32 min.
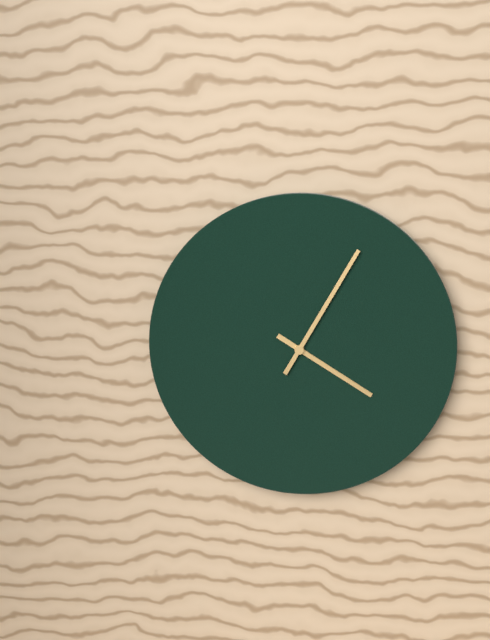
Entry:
4 h 05 min
